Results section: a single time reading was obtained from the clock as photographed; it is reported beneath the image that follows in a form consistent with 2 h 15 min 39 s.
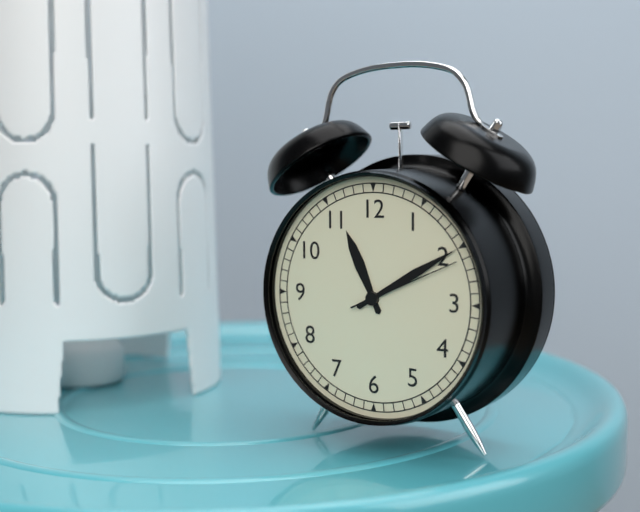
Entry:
11 h 10 min 11 s
